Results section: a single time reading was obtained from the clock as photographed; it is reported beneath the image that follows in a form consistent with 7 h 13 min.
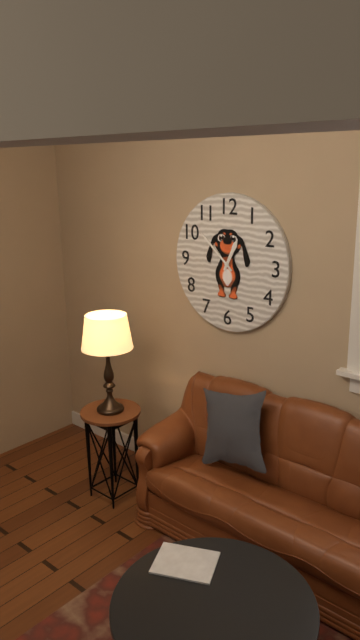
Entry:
12 h 52 min
